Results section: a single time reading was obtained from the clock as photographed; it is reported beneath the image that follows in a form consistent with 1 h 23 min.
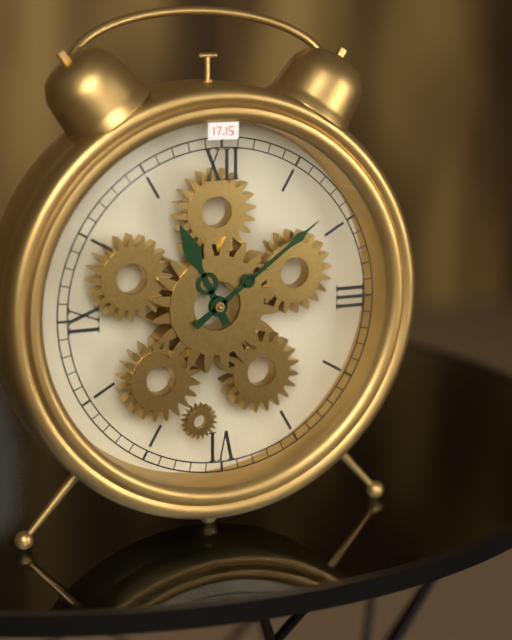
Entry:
11 h 09 min
